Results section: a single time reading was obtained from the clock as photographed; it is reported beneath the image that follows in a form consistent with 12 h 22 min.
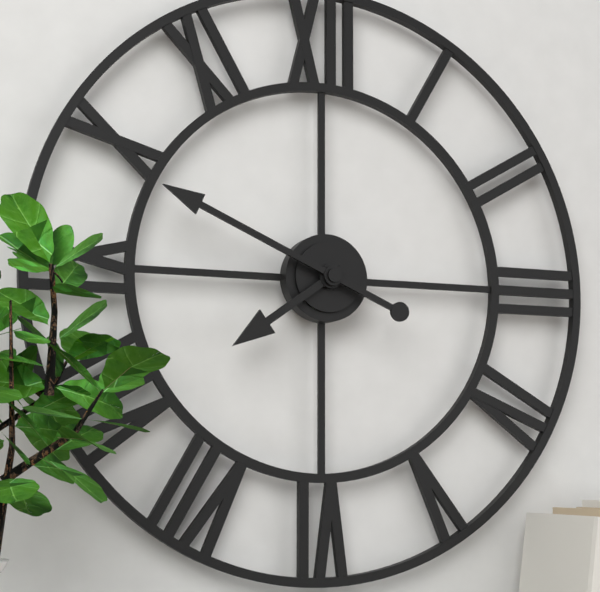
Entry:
7 h 49 min
